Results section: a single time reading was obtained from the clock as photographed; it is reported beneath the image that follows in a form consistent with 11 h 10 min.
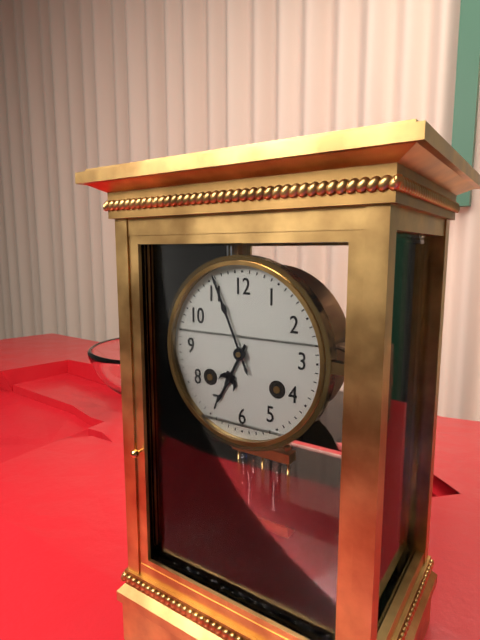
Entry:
6 h 56 min
